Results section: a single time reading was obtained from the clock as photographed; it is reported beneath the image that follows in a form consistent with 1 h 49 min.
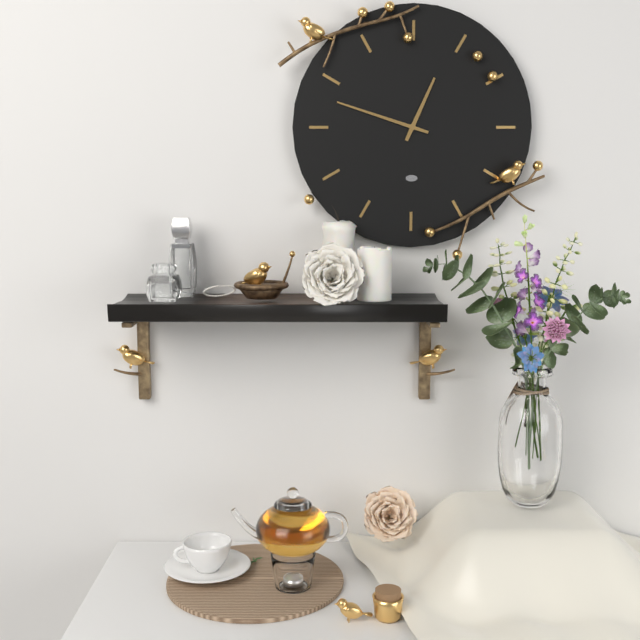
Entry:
12 h 48 min
